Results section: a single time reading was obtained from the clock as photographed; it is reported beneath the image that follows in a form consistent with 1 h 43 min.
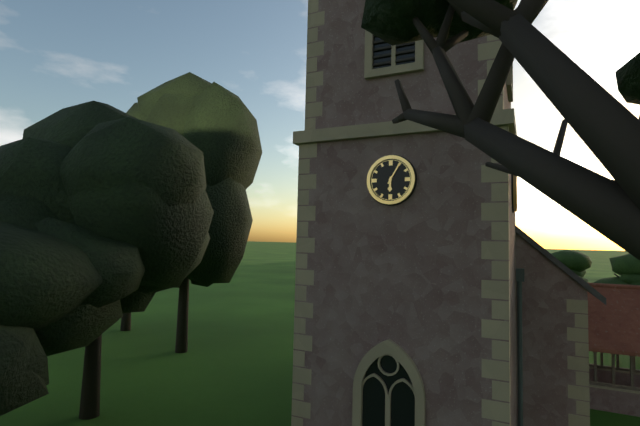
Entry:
6 h 05 min
